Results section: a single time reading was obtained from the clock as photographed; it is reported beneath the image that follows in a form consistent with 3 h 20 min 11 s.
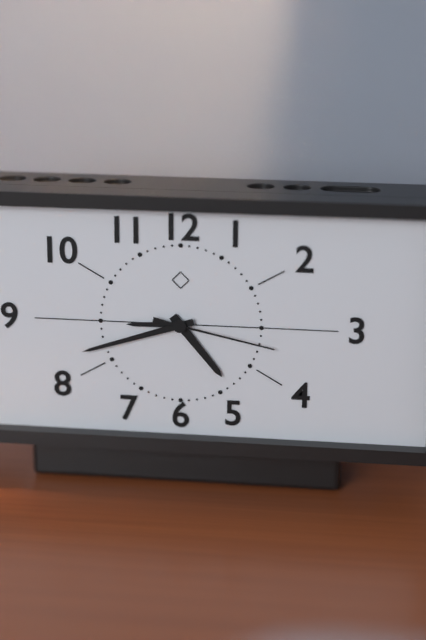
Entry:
4 h 42 min 17 s
